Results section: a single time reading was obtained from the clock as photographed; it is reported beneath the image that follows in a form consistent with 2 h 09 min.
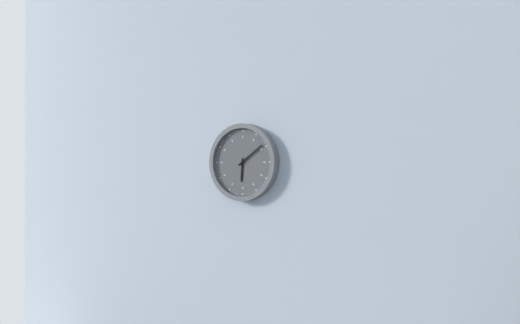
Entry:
6 h 09 min
